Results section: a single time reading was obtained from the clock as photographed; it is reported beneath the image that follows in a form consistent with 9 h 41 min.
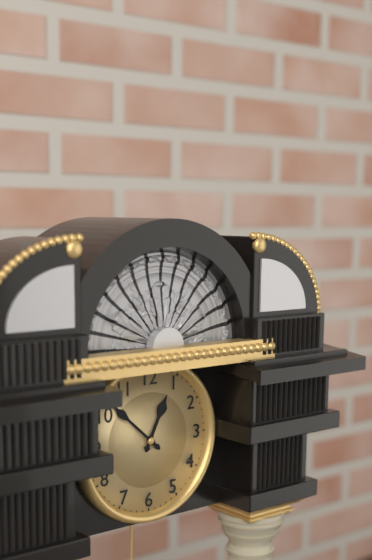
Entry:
12 h 52 min
